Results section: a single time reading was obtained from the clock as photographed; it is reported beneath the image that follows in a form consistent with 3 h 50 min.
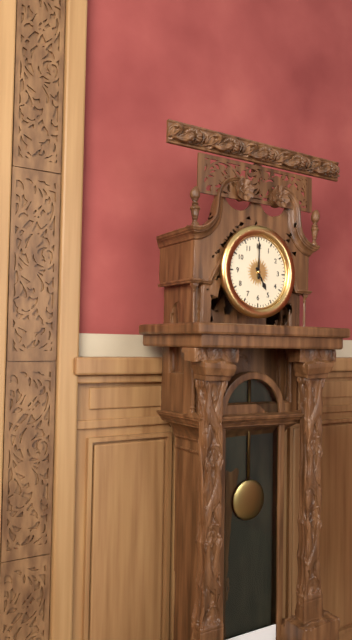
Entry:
5 h 00 min
